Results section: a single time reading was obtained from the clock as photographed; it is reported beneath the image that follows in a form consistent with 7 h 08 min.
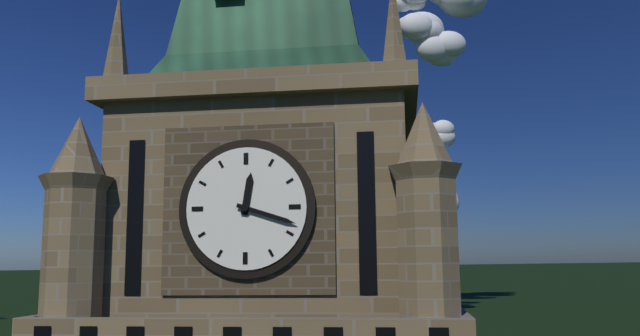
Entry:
12 h 18 min
